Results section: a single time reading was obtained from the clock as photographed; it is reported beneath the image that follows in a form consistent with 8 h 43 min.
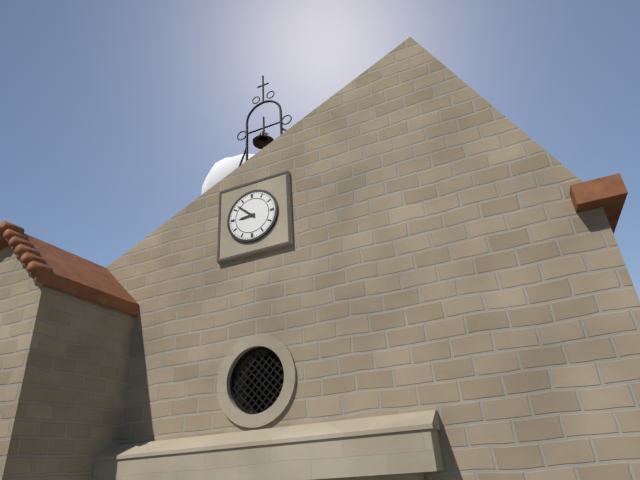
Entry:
8 h 52 min
